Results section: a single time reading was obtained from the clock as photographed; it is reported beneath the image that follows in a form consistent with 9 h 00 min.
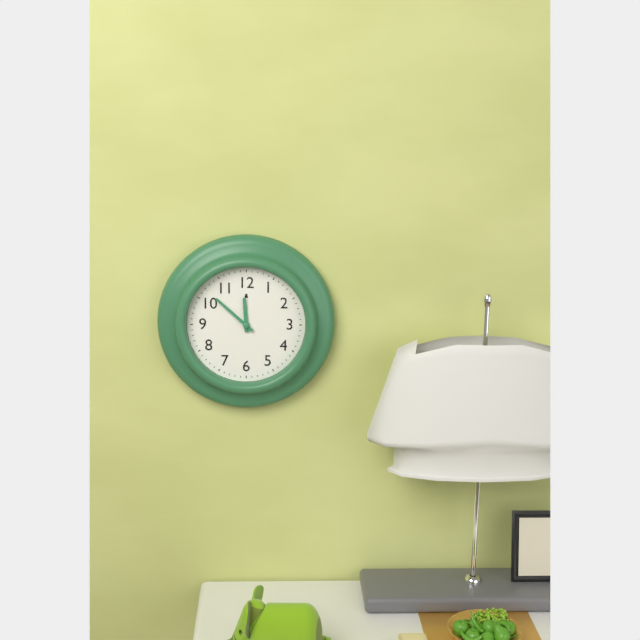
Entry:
11 h 52 min
